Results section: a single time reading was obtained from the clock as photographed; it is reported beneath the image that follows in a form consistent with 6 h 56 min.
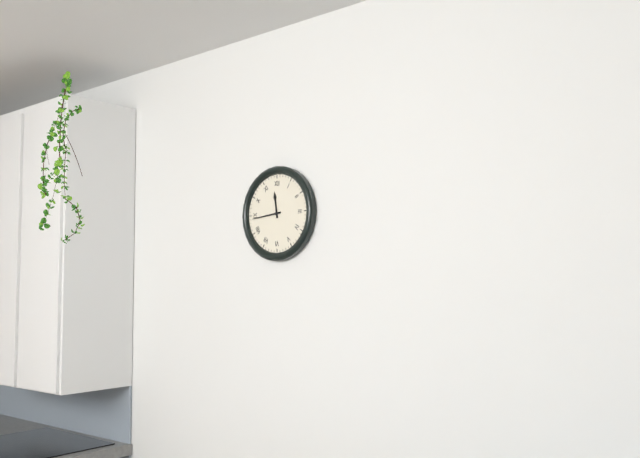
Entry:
11 h 44 min
